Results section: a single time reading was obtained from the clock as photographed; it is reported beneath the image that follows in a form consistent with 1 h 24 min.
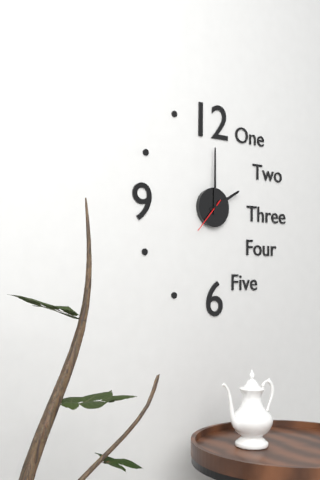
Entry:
2 h 00 min
